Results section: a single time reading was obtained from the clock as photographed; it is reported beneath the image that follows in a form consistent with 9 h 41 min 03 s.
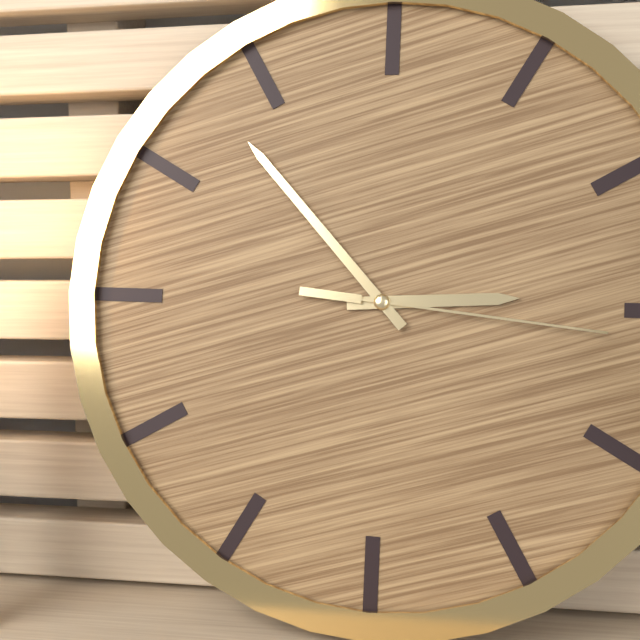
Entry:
2 h 53 min 16 s
